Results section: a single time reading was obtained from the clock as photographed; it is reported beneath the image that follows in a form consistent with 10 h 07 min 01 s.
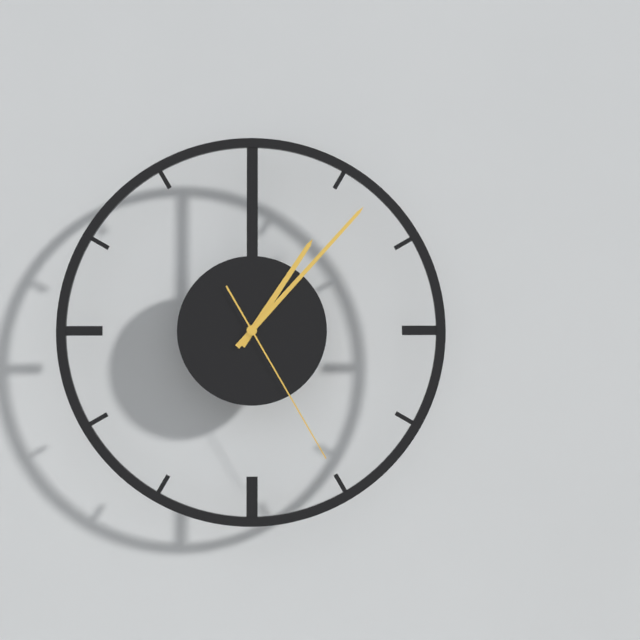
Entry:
1 h 07 min 25 s
